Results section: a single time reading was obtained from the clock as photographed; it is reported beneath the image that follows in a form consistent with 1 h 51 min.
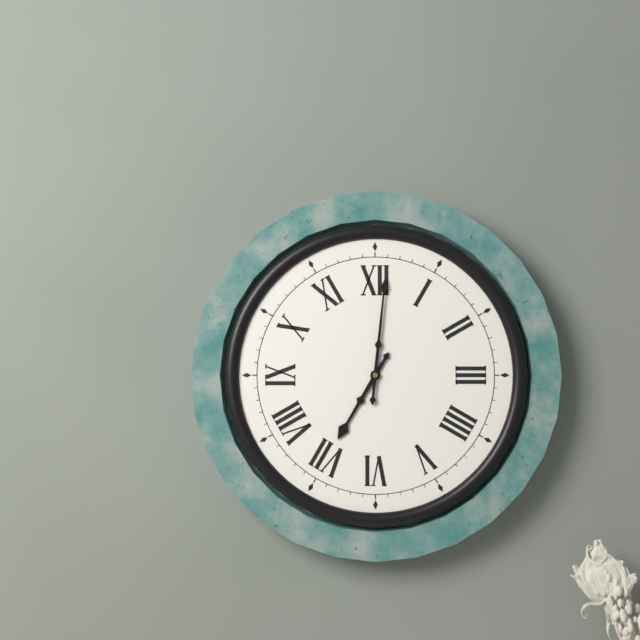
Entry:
7 h 01 min
